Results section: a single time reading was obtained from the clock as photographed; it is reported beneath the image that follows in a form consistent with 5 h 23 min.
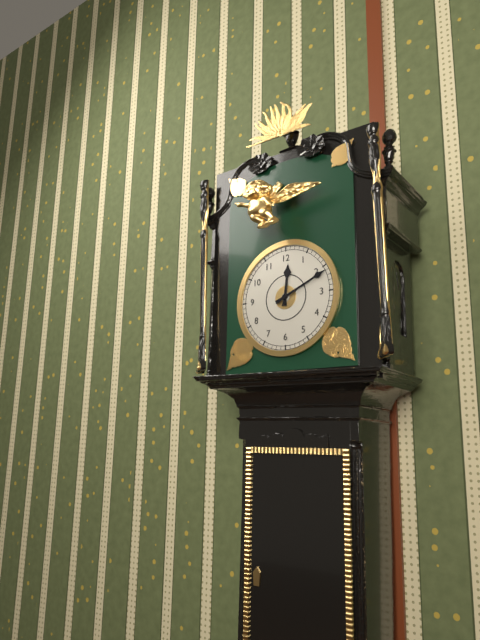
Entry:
12 h 11 min
